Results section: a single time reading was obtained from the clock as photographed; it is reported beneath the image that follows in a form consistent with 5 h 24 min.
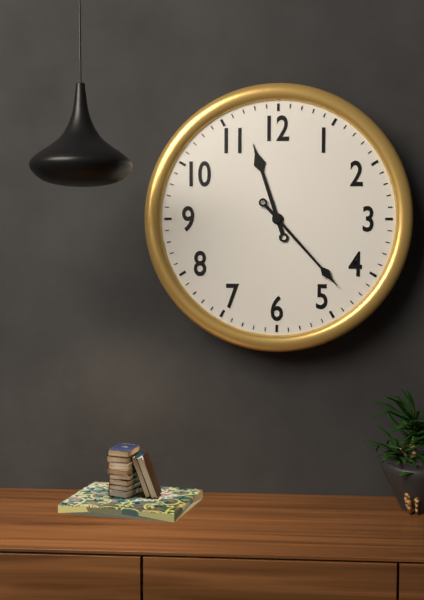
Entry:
11 h 23 min
